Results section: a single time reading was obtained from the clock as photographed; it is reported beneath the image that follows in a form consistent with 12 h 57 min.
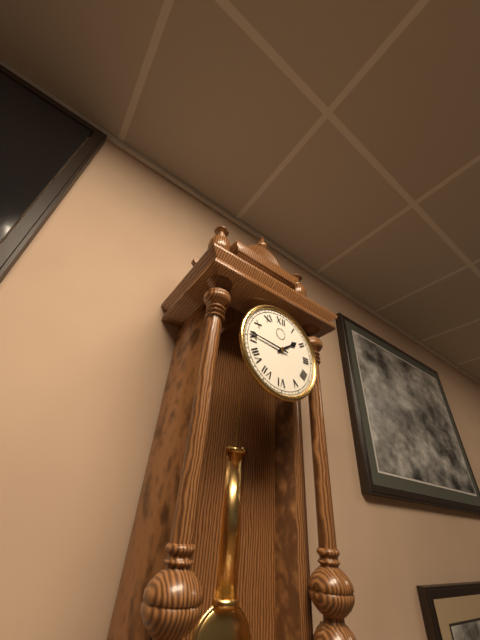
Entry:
1 h 46 min
